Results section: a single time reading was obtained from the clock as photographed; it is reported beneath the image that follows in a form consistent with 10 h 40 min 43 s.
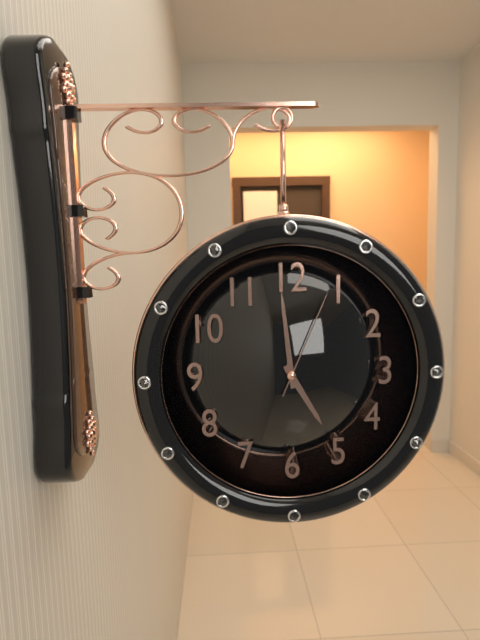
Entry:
4 h 59 min 04 s
